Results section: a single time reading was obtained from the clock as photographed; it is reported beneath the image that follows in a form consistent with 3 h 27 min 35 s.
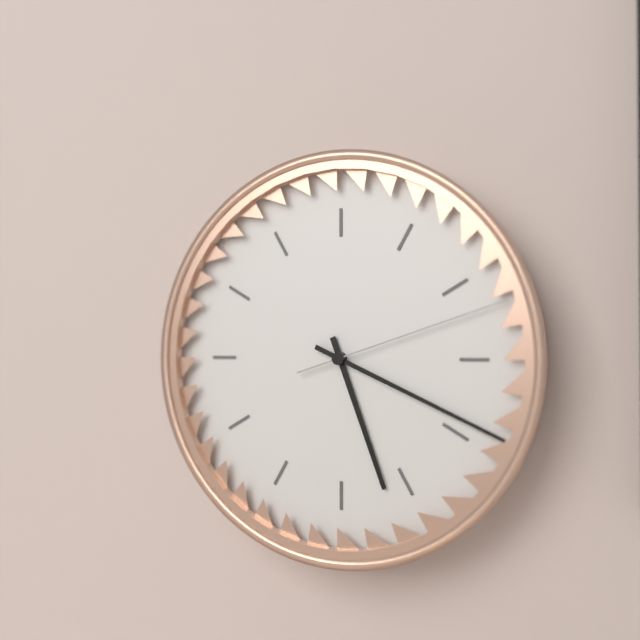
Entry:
5 h 19 min 12 s
